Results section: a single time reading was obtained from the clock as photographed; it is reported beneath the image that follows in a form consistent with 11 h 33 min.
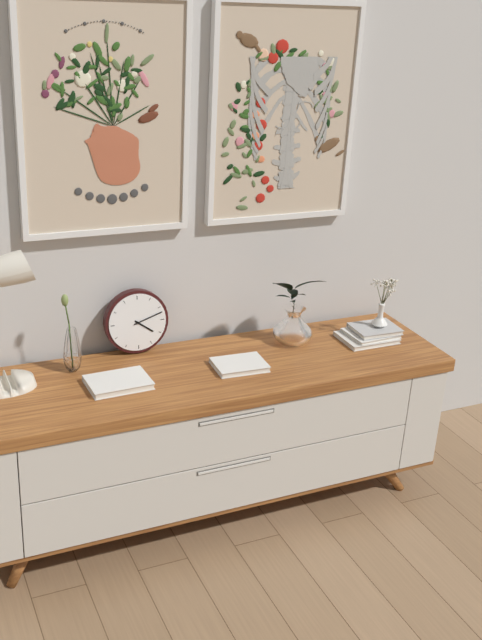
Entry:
4 h 12 min
